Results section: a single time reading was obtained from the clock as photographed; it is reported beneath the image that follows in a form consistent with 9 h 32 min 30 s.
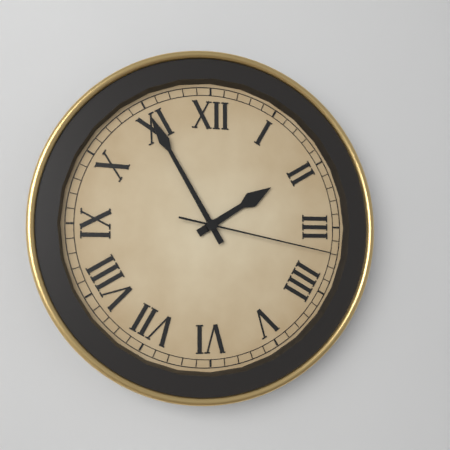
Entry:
1 h 55 min 17 s
